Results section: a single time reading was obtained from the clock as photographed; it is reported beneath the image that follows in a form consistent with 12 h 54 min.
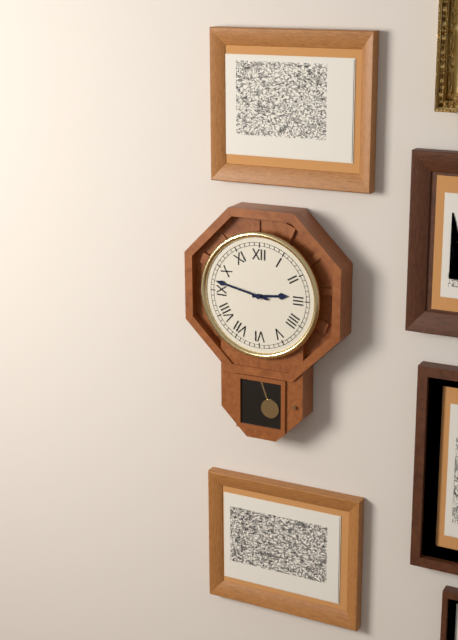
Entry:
2 h 47 min
